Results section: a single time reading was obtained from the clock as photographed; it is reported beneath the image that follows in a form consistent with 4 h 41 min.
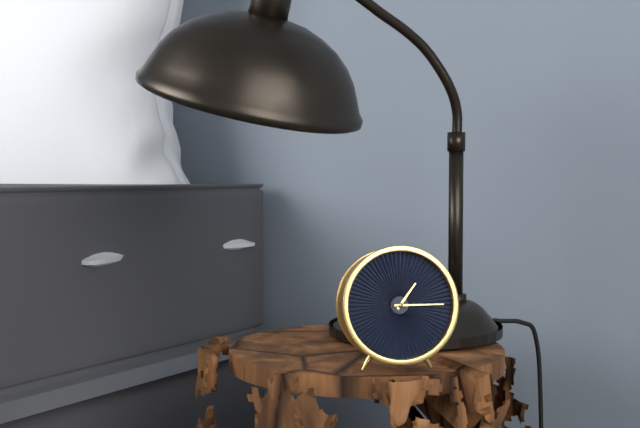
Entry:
1 h 15 min
